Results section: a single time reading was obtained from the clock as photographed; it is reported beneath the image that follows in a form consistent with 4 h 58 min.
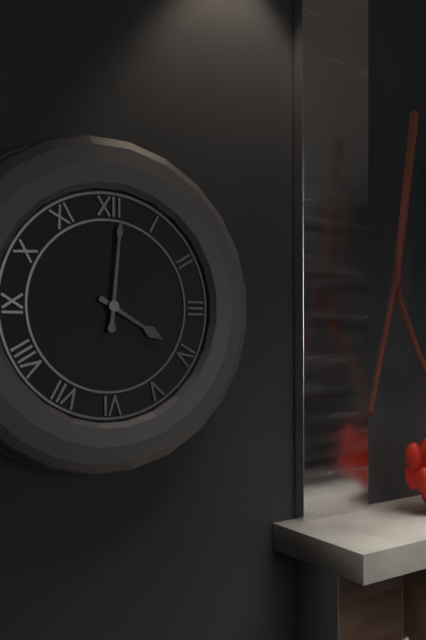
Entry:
4 h 01 min
